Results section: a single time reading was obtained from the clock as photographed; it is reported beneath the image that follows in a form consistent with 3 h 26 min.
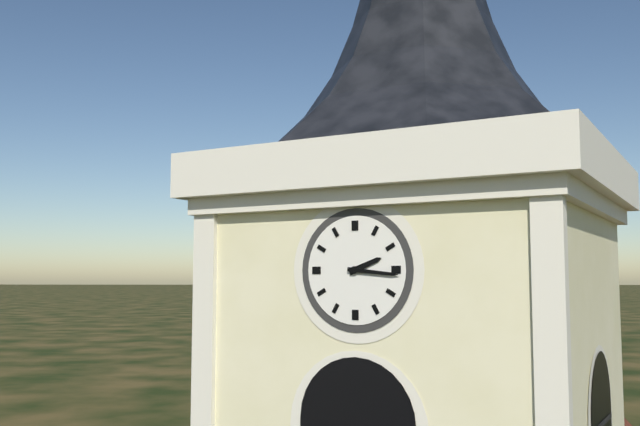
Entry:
2 h 16 min
